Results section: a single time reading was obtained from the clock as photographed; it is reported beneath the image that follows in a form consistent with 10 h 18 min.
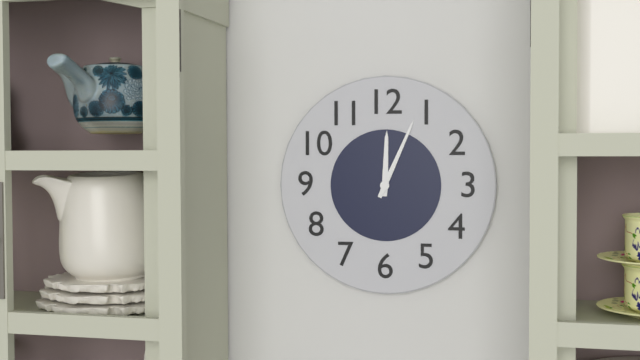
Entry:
12 h 04 min
